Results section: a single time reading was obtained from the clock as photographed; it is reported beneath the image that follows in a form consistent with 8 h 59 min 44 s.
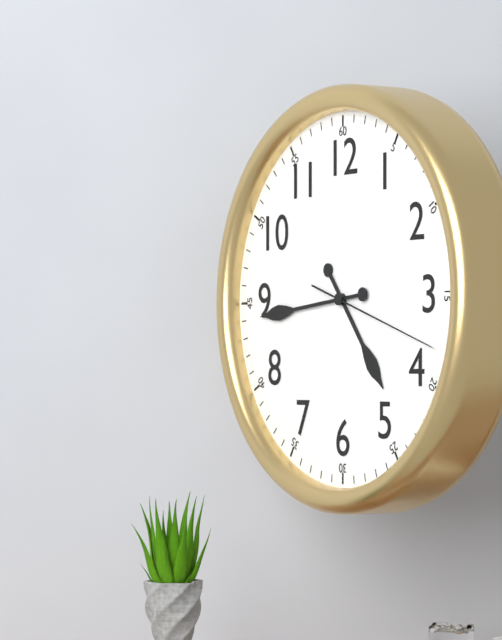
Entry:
4 h 44 min 18 s
